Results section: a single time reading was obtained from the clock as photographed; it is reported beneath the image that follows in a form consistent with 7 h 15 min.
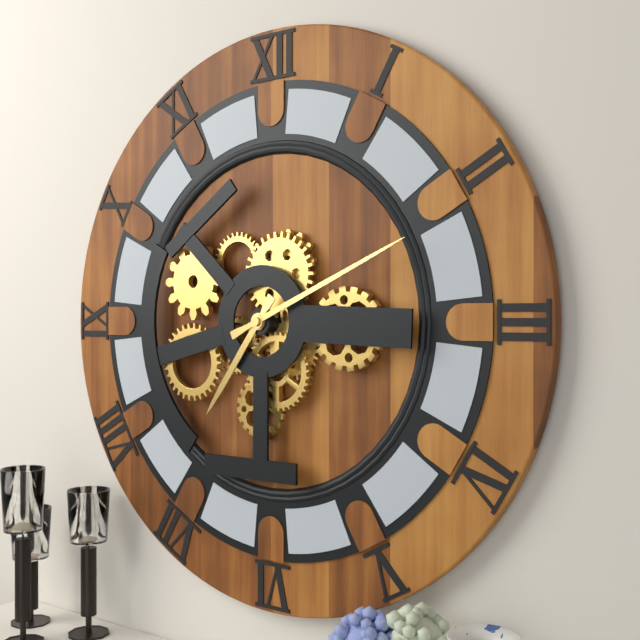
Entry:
7 h 11 min
